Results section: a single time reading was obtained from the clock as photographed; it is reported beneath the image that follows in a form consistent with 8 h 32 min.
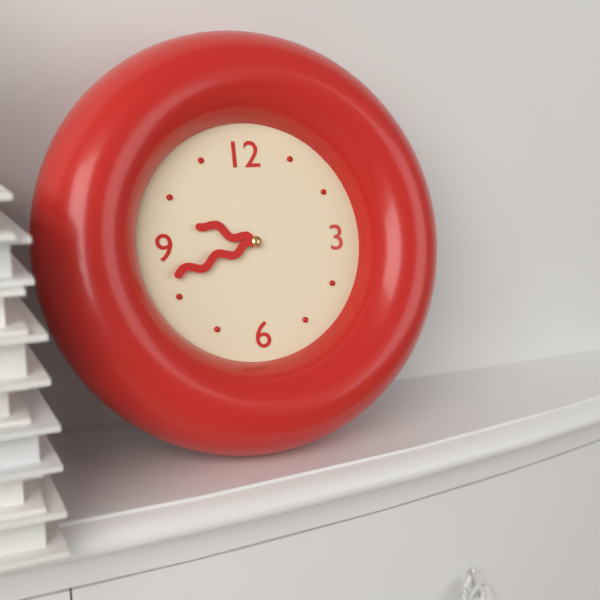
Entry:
9 h 42 min
